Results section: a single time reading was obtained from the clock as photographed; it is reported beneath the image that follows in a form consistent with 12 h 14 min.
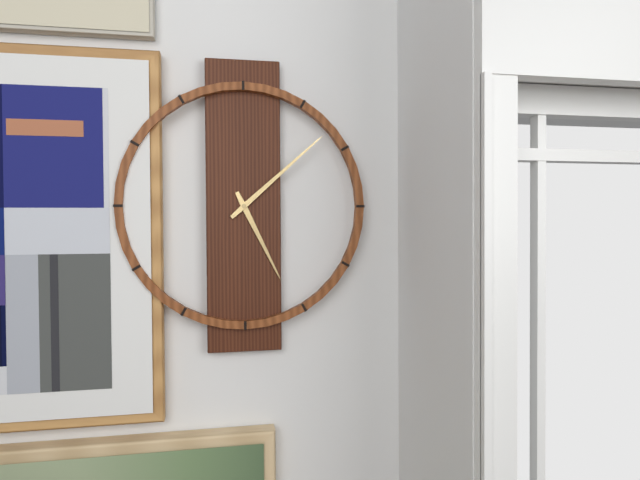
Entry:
5 h 08 min
